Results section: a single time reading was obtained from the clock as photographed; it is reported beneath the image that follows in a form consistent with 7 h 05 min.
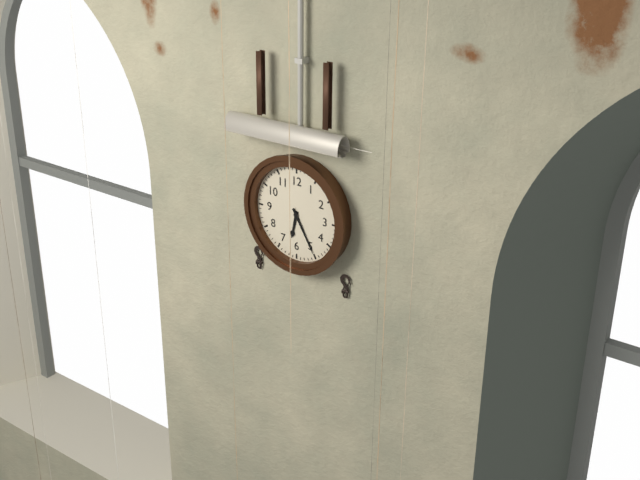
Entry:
6 h 25 min
